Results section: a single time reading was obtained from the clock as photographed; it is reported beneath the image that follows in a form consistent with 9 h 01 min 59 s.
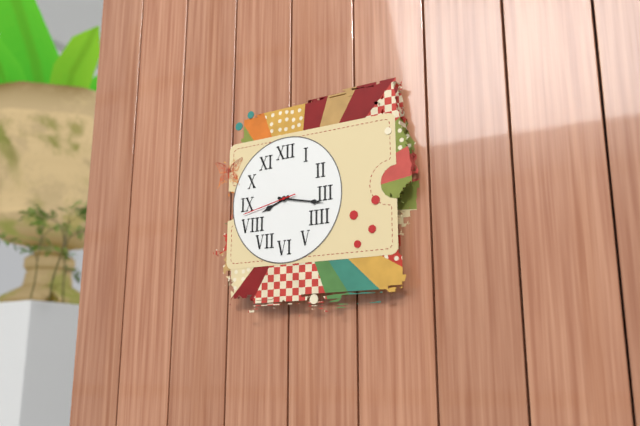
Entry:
8 h 17 min 43 s
